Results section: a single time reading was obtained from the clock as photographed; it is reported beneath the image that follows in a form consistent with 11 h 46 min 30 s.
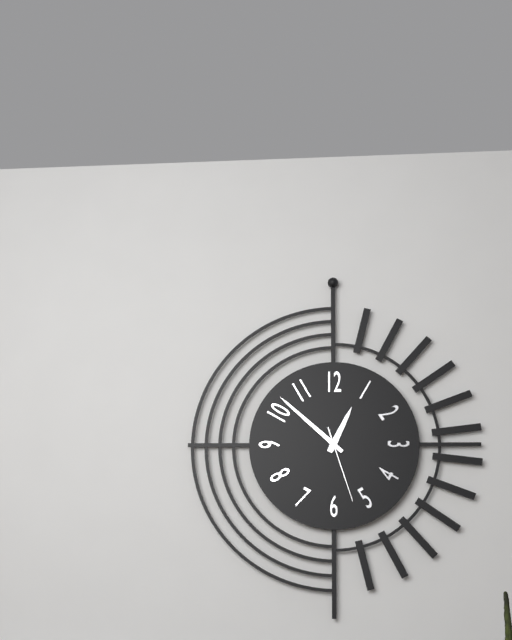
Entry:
12 h 52 min 27 s
